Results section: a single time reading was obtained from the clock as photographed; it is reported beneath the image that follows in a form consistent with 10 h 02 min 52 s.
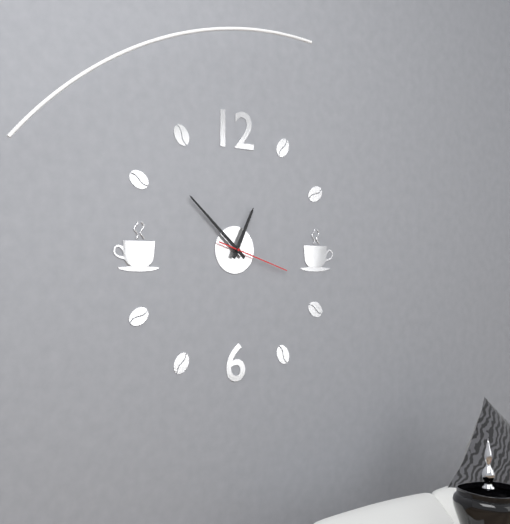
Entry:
12 h 52 min 18 s
